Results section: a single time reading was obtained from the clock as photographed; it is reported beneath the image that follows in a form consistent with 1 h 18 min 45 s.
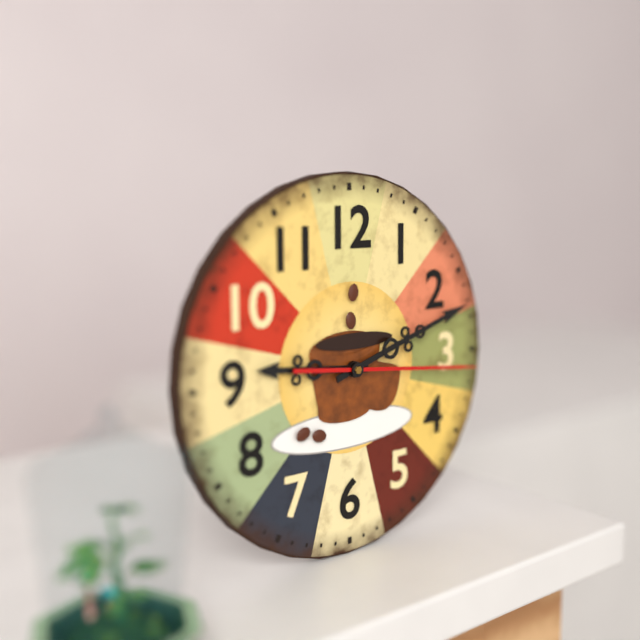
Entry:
9 h 12 min 16 s
